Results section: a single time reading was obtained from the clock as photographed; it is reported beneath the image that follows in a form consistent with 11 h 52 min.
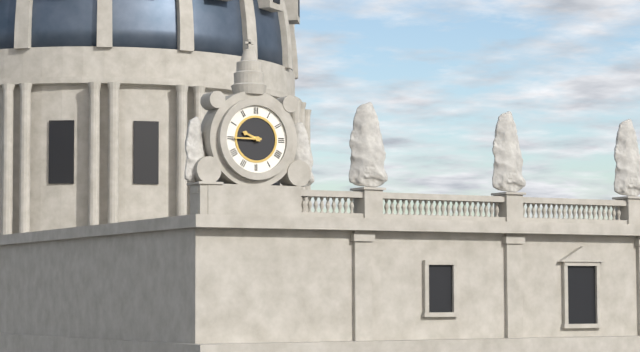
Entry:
9 h 45 min
